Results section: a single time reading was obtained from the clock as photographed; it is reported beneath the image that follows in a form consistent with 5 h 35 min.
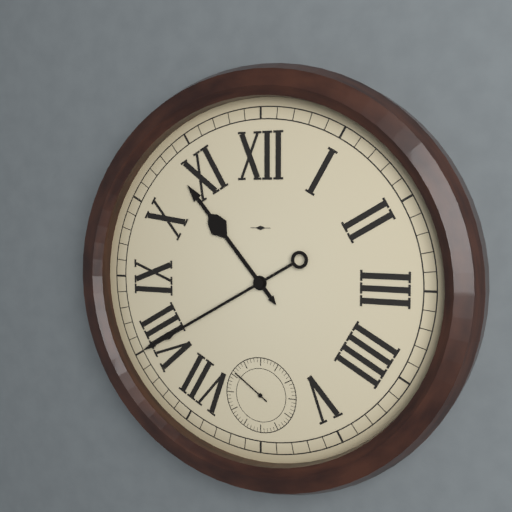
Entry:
10 h 40 min
